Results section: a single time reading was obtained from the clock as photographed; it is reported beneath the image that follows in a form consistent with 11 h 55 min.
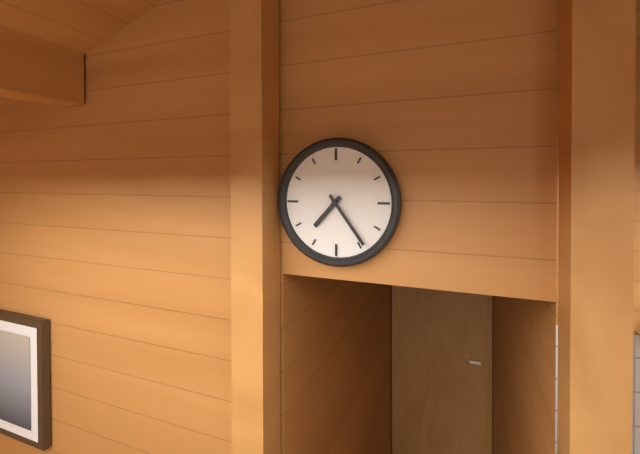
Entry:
7 h 24 min
